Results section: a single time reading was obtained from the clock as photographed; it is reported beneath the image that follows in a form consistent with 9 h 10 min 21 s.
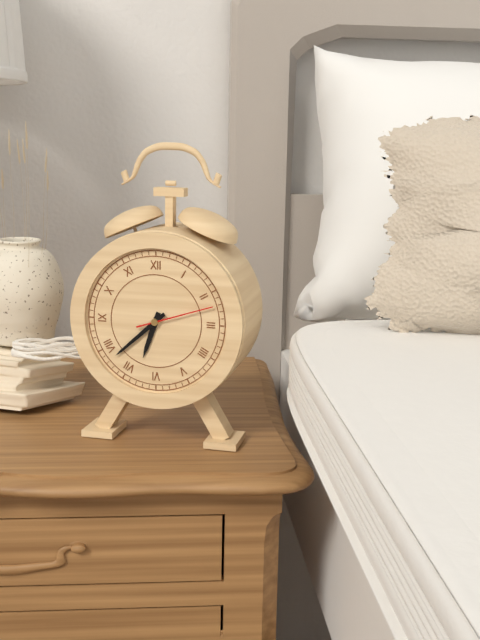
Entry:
6 h 38 min 12 s
